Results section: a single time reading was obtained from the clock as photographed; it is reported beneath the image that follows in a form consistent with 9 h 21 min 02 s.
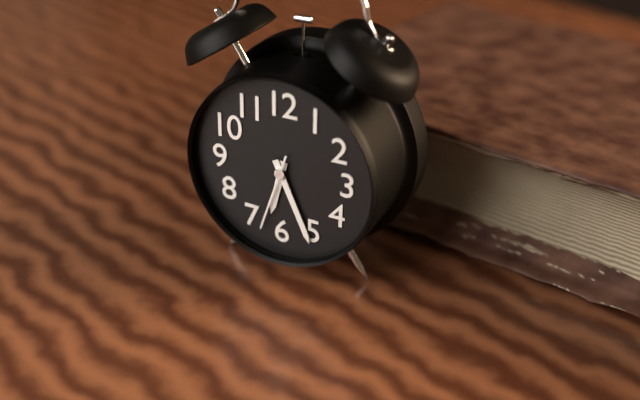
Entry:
6 h 26 min 33 s
